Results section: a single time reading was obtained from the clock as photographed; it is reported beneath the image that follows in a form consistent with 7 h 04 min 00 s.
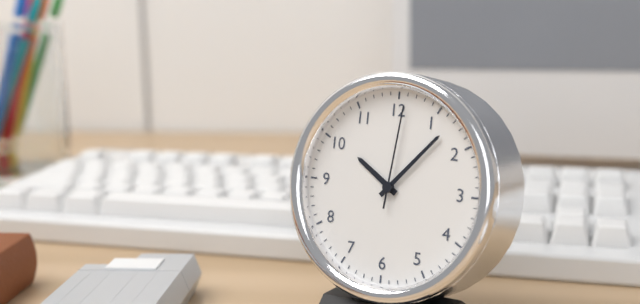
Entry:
10 h 07 min 01 s
